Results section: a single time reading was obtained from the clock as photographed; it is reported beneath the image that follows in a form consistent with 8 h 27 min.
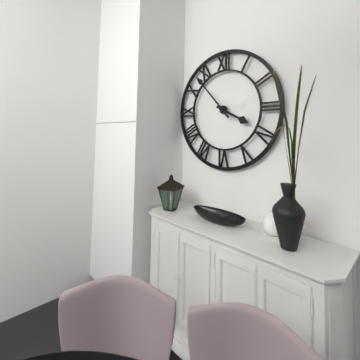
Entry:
3 h 53 min
